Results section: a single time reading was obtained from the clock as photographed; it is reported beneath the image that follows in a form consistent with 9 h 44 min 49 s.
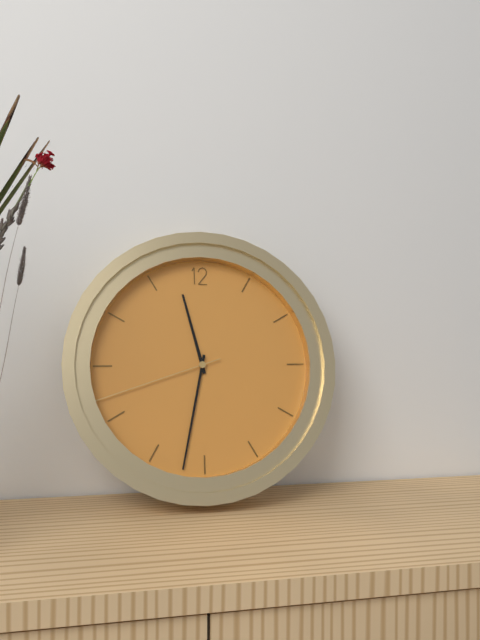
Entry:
11 h 32 min 42 s
